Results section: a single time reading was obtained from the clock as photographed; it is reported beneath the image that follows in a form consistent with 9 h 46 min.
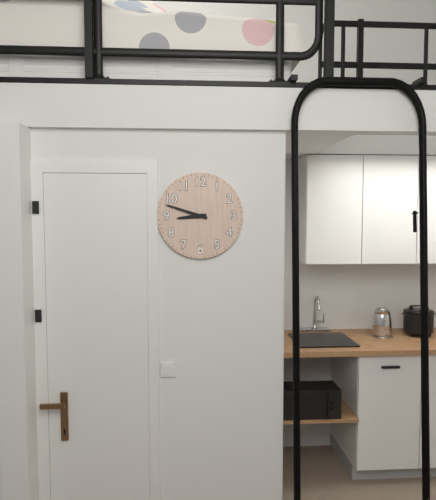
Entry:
8 h 48 min
